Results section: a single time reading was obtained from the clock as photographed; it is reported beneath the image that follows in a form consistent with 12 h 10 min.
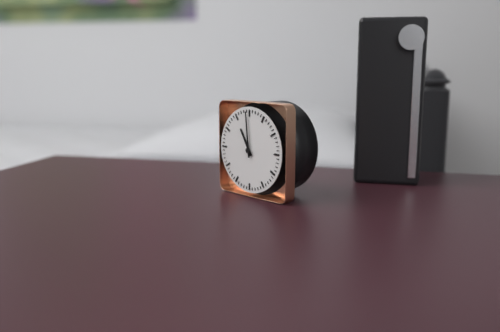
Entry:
10 h 59 min
